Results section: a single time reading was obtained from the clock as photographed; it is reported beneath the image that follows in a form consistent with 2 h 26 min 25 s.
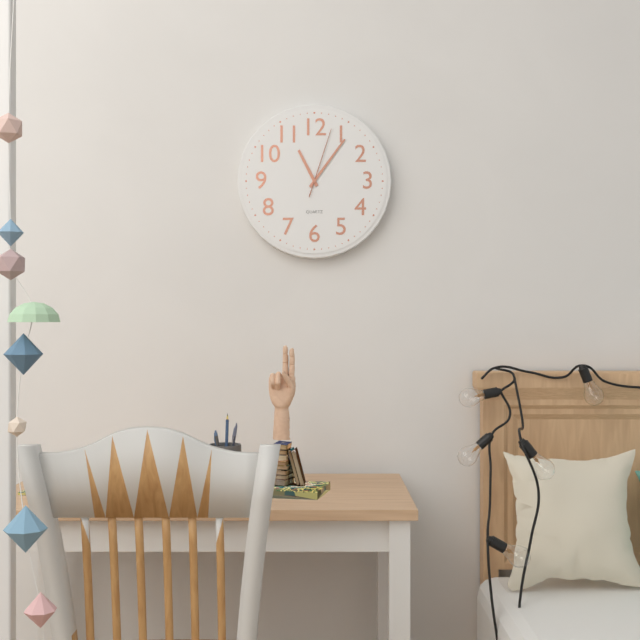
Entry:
11 h 06 min 03 s
